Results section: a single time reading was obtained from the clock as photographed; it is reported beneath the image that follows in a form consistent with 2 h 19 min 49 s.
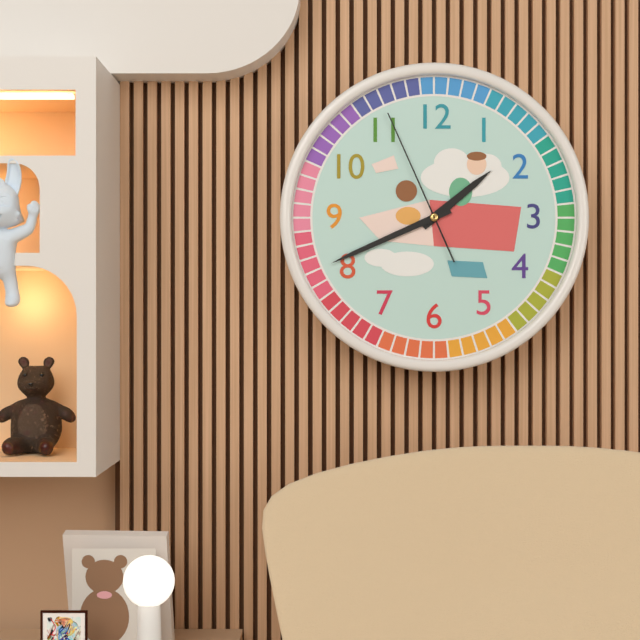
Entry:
1 h 41 min 56 s
